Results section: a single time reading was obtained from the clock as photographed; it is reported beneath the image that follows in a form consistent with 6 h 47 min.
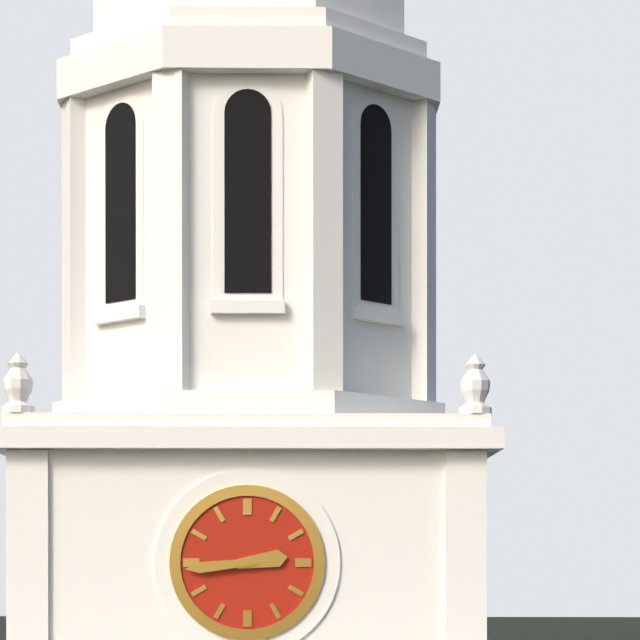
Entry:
2 h 44 min
